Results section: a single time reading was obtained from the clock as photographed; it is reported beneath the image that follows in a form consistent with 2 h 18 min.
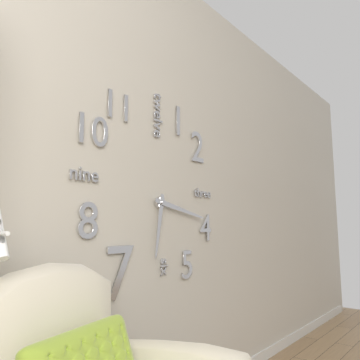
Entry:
6 h 17 min
